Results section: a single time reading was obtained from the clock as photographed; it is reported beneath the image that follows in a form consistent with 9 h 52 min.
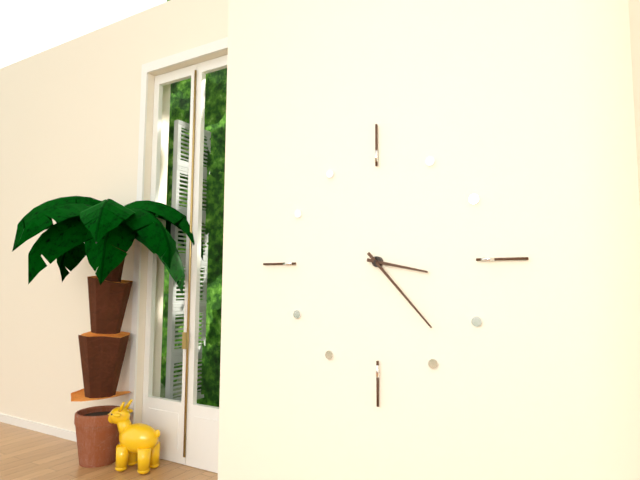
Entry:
3 h 23 min
